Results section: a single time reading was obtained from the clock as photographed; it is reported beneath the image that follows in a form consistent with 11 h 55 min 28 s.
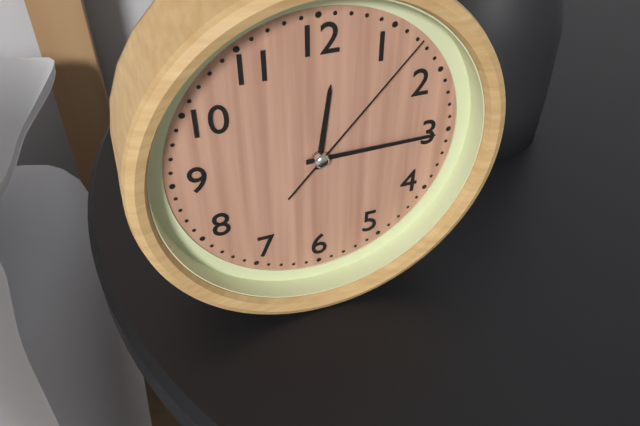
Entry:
12 h 15 min 07 s
